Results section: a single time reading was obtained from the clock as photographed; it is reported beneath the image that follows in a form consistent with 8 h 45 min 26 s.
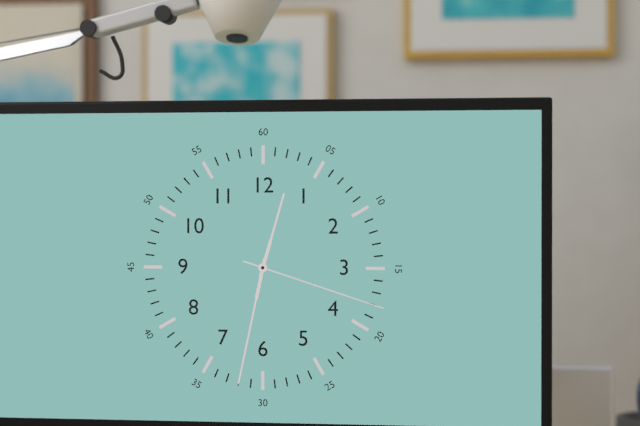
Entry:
12 h 32 min 18 s
